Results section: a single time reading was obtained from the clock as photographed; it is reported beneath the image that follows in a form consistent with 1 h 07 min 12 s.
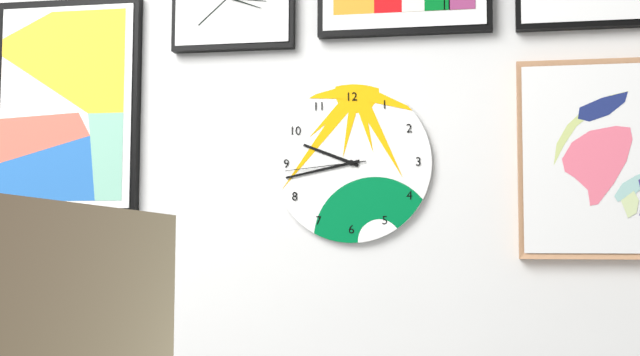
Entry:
9 h 43 min 44 s
